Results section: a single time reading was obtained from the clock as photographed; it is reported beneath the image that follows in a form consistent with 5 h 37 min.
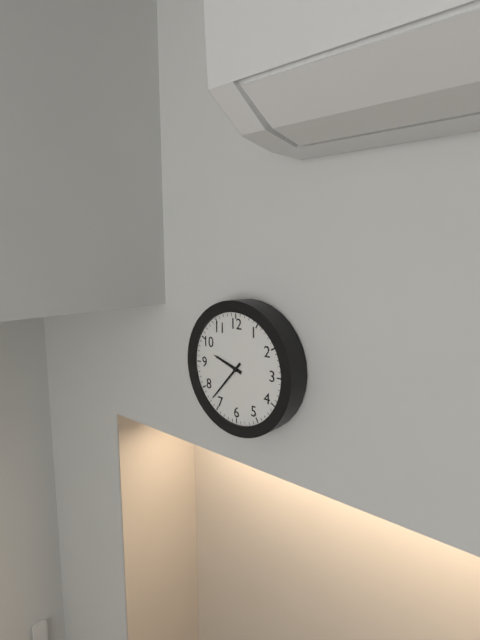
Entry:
9 h 37 min
